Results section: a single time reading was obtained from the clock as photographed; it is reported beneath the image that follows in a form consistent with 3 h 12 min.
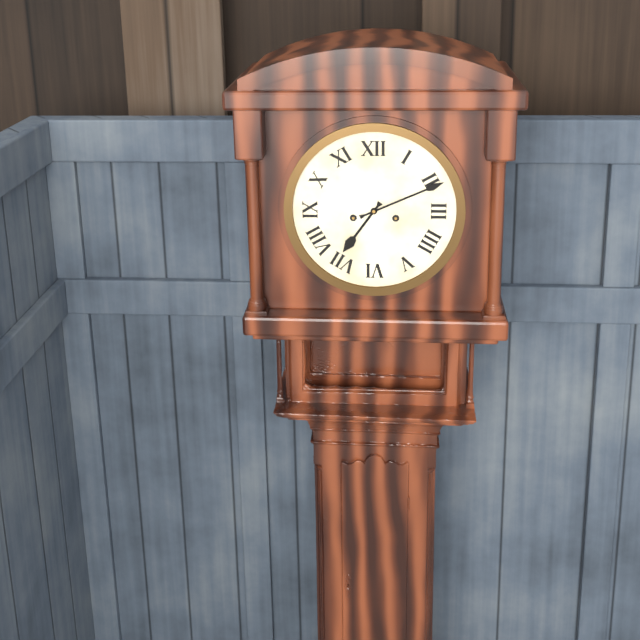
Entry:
7 h 11 min
